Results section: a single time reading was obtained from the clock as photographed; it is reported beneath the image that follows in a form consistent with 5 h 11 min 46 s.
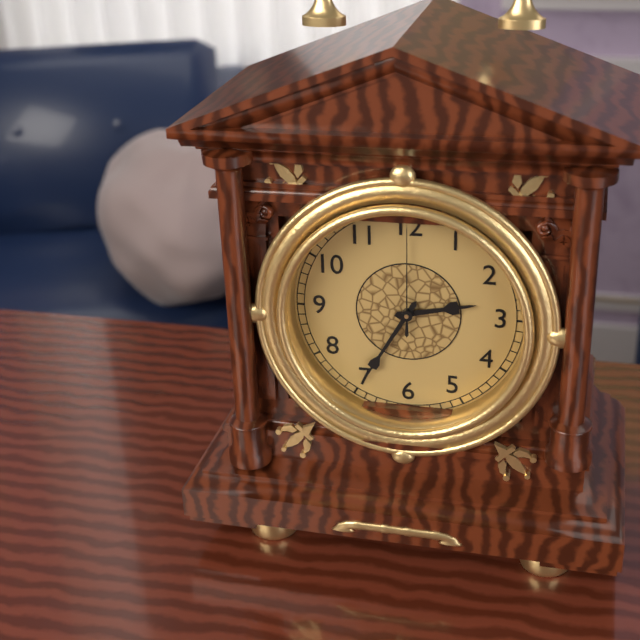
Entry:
2 h 35 min 00 s
